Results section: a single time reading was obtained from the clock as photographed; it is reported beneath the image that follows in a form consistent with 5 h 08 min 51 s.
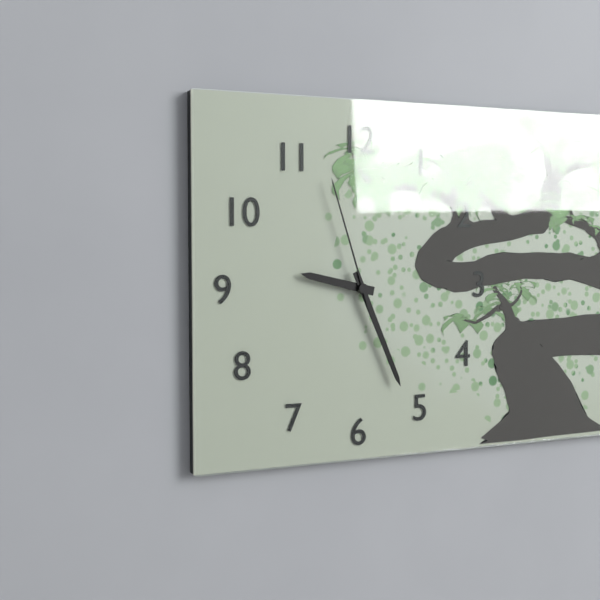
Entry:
9 h 26 min 57 s
